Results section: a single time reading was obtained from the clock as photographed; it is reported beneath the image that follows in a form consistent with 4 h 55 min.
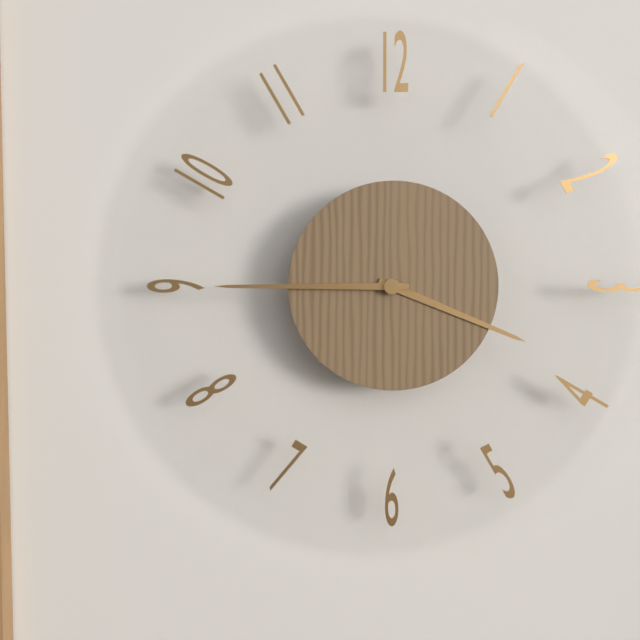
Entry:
3 h 45 min
